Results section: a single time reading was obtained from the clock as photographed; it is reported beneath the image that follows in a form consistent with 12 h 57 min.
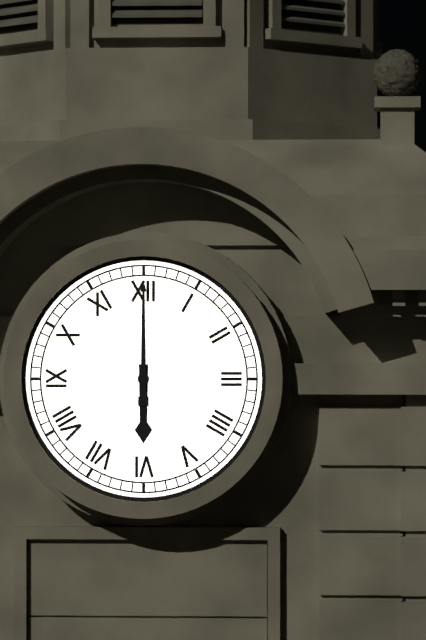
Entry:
6 h 00 min
